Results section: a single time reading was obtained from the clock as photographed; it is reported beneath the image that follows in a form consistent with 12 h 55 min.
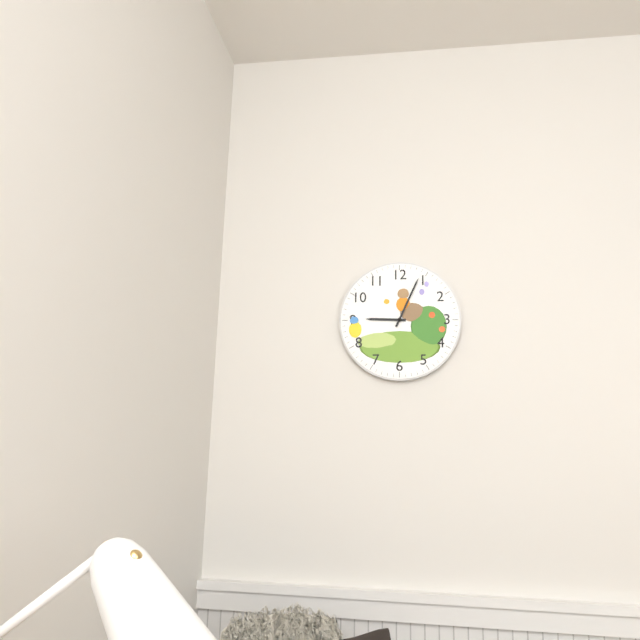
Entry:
9 h 04 min
